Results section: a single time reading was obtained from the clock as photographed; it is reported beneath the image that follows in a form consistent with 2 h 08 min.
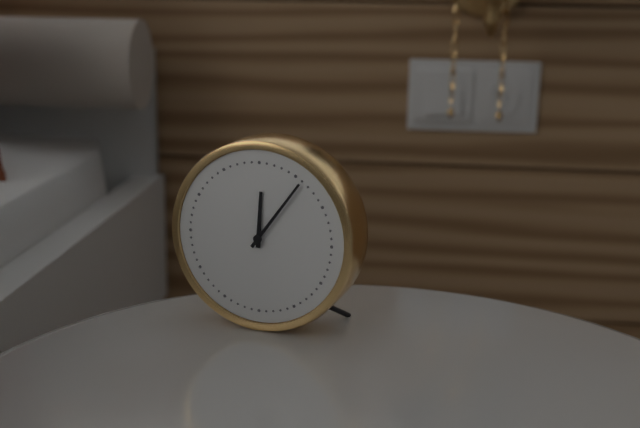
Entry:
12 h 06 min
